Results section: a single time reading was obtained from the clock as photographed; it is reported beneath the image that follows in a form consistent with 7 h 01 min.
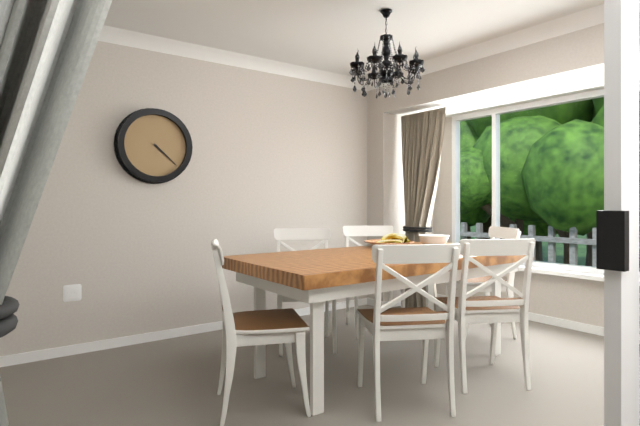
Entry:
4 h 22 min
